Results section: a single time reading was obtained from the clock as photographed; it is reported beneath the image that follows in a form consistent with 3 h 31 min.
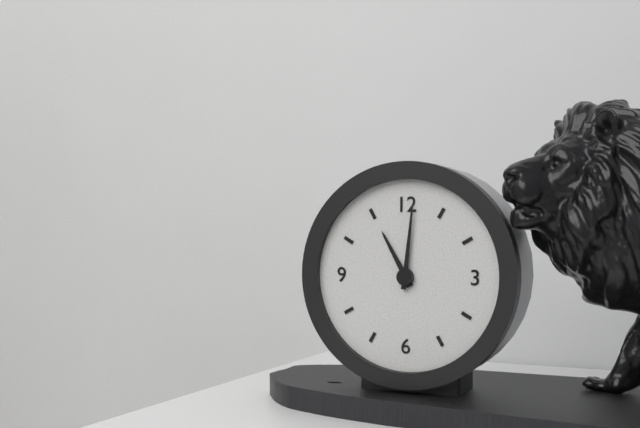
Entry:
11 h 01 min
